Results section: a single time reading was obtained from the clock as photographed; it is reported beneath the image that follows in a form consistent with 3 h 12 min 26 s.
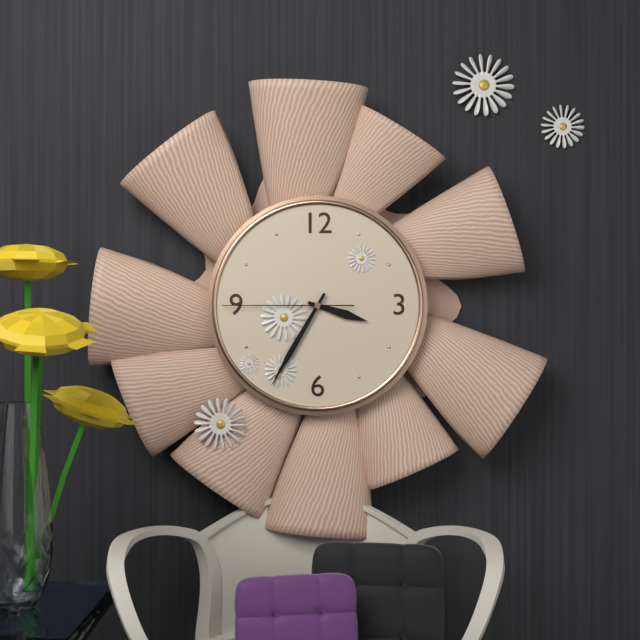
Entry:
3 h 35 min 45 s
